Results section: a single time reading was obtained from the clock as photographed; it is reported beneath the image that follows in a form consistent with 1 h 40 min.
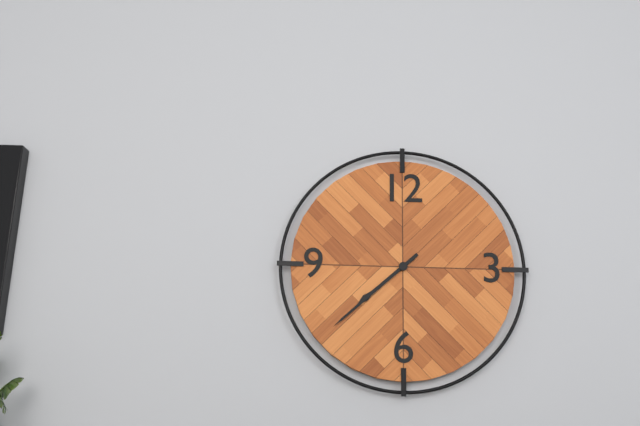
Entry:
7 h 38 min
